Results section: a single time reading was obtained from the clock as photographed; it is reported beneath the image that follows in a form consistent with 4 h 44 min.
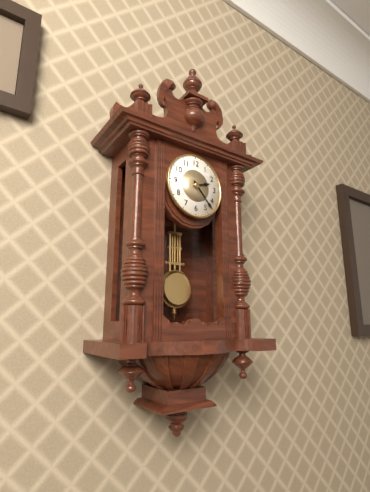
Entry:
2 h 23 min
